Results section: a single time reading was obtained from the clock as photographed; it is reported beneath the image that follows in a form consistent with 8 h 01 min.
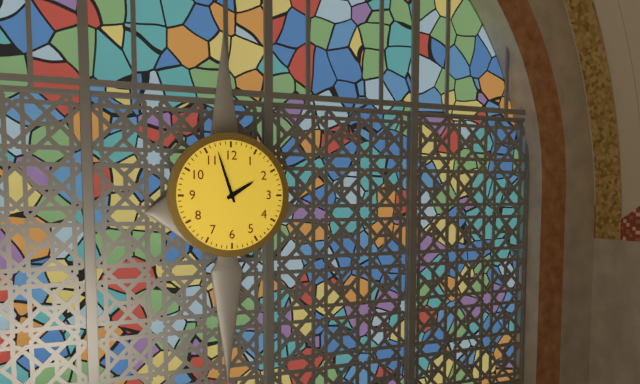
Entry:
1 h 57 min
